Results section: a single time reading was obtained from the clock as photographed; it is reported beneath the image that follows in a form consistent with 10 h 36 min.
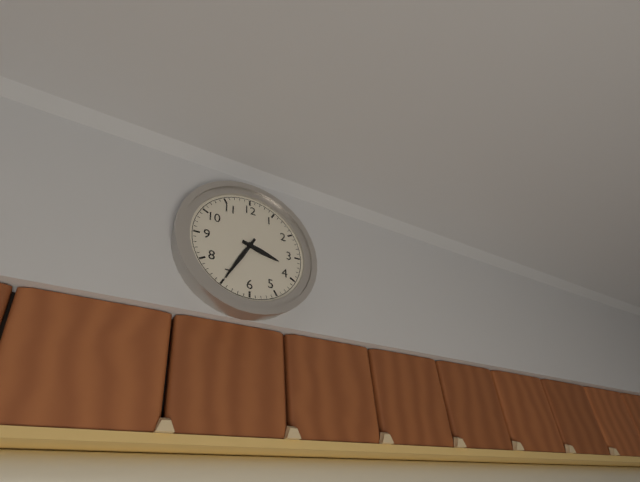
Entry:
3 h 35 min
